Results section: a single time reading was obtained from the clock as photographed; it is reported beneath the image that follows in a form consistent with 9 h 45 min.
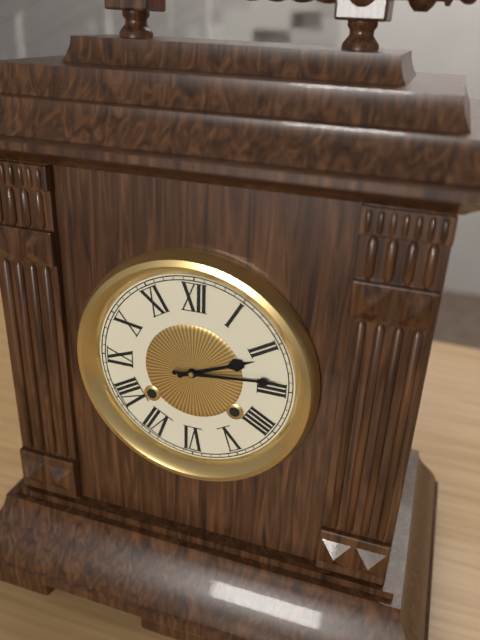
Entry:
2 h 14 min
